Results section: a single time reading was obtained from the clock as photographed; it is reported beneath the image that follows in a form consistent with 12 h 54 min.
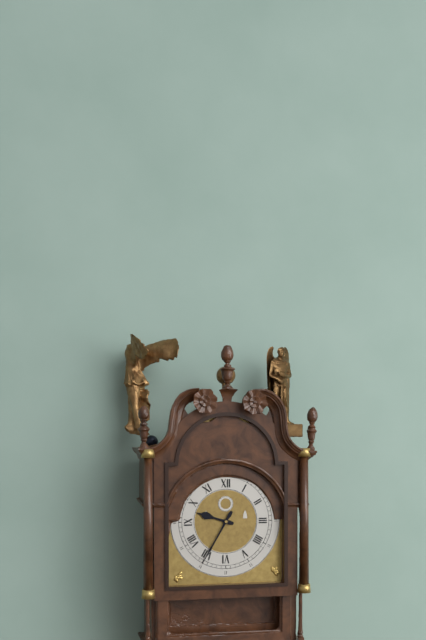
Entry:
9 h 35 min
